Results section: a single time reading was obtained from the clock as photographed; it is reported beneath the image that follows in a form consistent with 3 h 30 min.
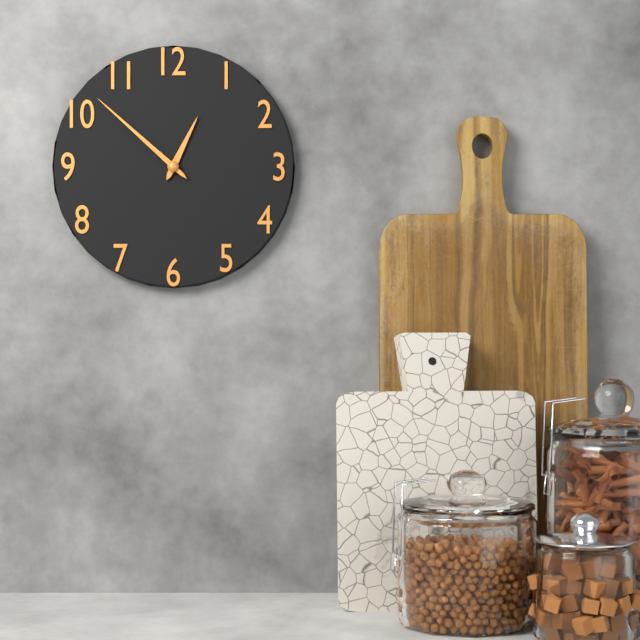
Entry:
12 h 52 min
